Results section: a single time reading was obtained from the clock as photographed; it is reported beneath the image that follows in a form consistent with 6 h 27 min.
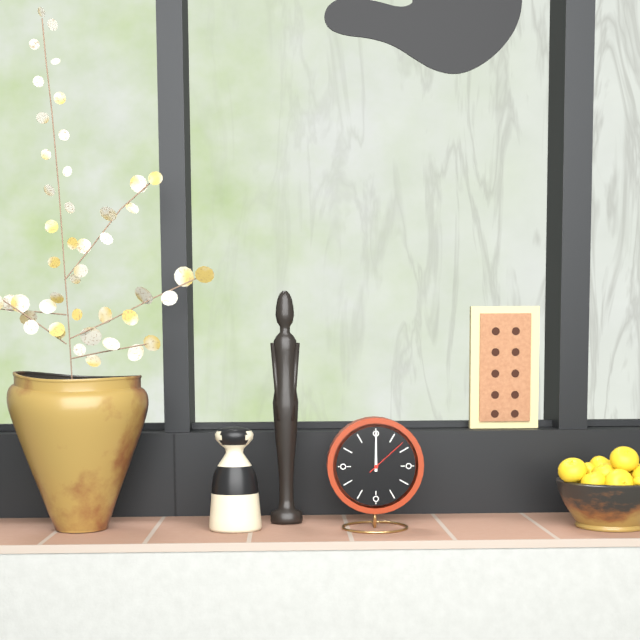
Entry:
12 h 00 min
